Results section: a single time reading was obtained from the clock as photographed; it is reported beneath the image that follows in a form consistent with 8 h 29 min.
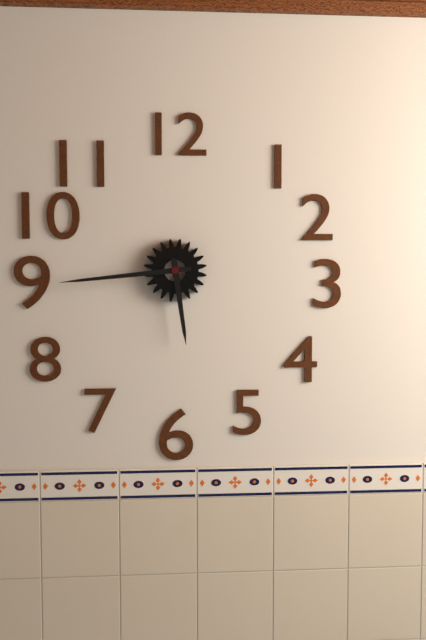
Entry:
5 h 44 min
